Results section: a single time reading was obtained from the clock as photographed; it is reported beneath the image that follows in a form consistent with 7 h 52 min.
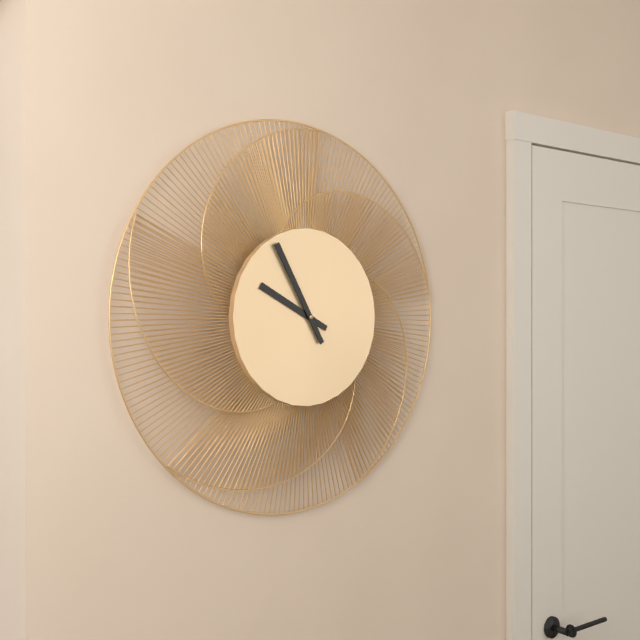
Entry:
9 h 55 min
